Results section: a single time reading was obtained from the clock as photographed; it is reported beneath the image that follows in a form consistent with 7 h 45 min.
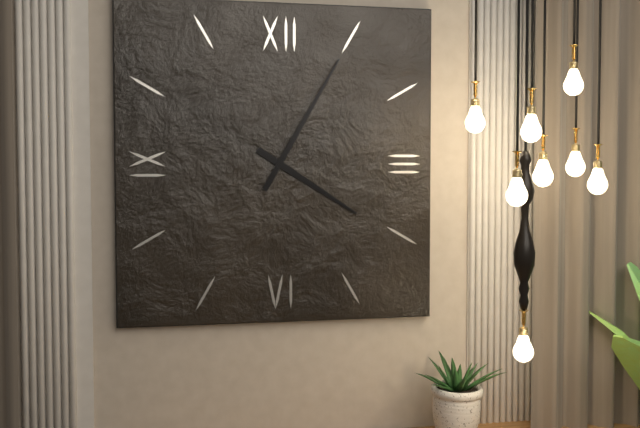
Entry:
4 h 05 min
